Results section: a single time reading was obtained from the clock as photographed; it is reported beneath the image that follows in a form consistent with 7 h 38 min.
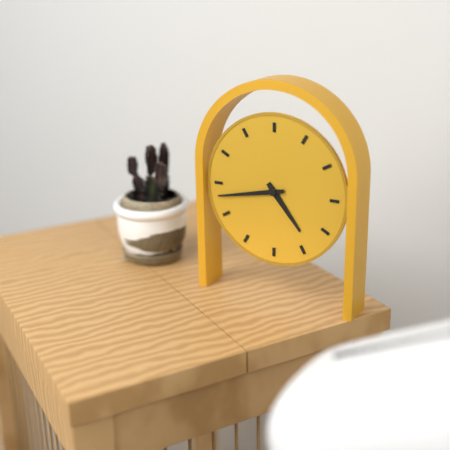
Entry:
4 h 43 min
